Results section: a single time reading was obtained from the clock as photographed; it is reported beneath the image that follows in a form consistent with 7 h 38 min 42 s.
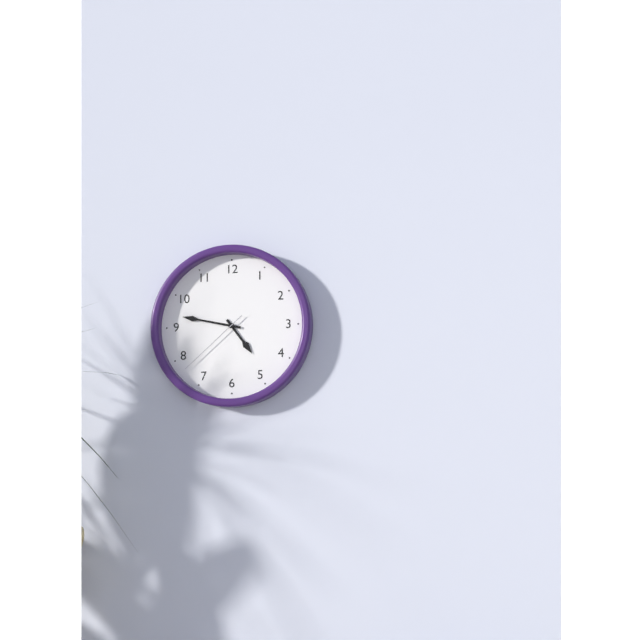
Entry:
4 h 47 min 38 s
